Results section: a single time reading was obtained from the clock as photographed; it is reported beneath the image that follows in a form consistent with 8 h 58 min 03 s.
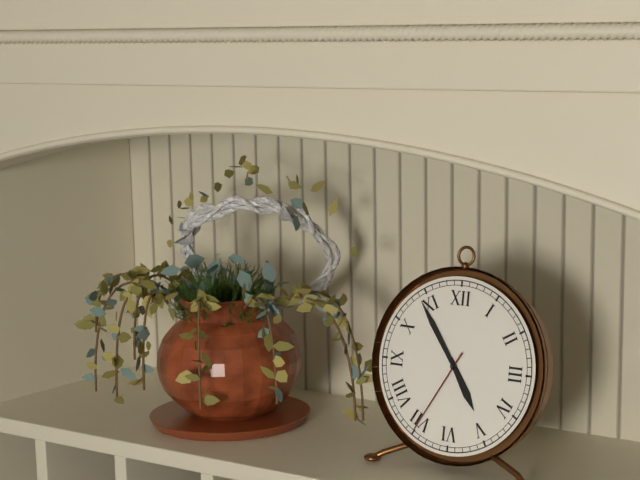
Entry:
4 h 54 min 35 s
